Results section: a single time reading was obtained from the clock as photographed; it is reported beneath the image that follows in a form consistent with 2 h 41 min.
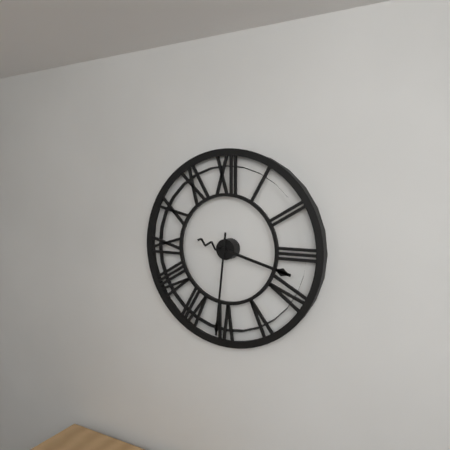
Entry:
3 h 31 min
